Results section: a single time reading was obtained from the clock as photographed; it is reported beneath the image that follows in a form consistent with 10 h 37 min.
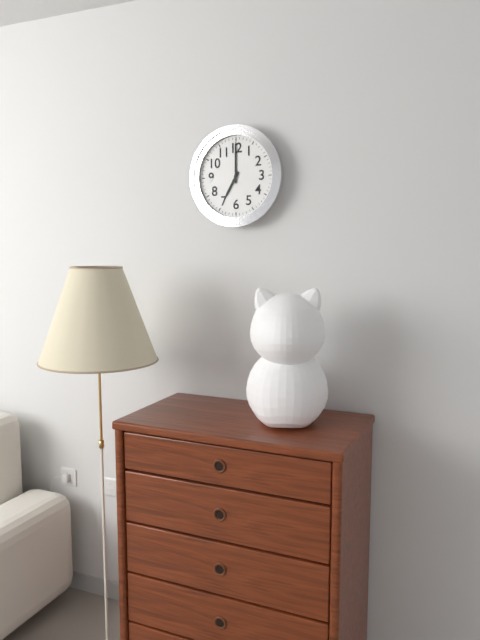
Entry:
7 h 00 min
